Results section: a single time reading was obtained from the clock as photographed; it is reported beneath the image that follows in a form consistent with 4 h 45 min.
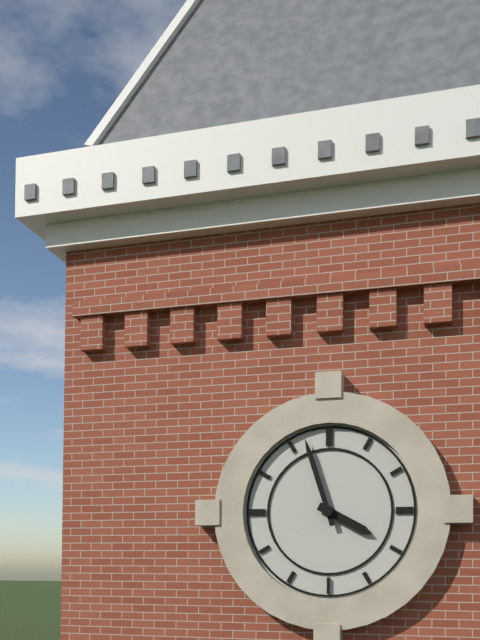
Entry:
3 h 57 min
